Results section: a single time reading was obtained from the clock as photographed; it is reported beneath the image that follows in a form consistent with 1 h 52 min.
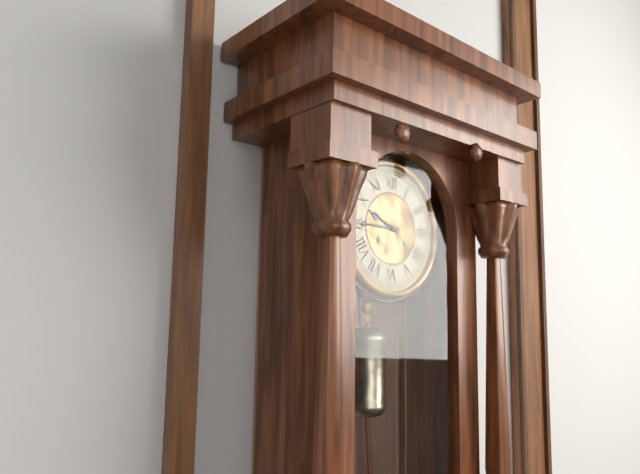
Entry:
9 h 45 min
